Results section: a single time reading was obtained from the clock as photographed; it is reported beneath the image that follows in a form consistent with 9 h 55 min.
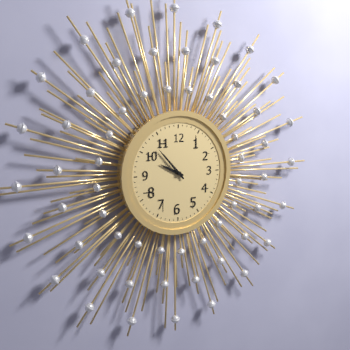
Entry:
9 h 53 min
